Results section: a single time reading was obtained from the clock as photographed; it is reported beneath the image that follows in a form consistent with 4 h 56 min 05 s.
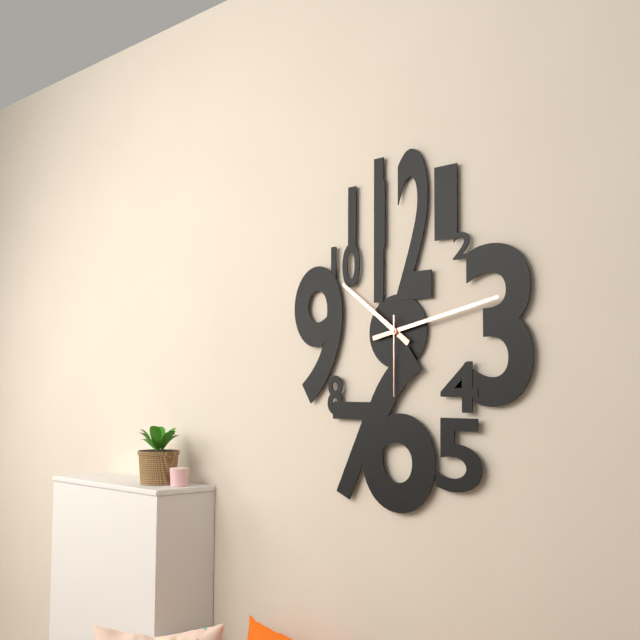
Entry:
10 h 13 min 30 s
